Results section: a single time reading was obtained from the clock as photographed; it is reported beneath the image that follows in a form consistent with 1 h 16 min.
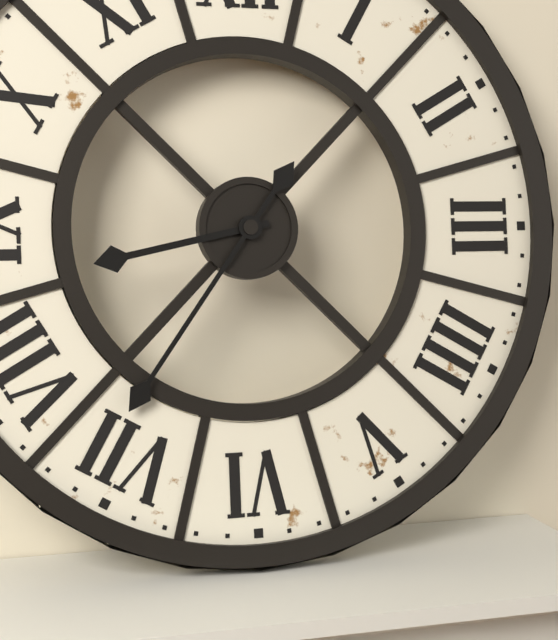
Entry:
8 h 36 min
